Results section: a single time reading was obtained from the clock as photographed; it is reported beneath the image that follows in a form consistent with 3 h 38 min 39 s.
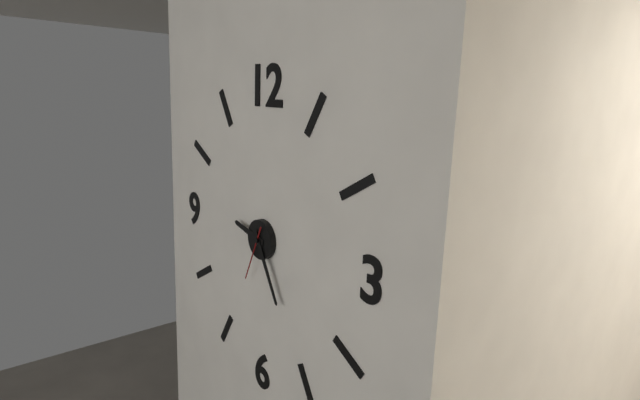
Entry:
9 h 25 min 34 s
